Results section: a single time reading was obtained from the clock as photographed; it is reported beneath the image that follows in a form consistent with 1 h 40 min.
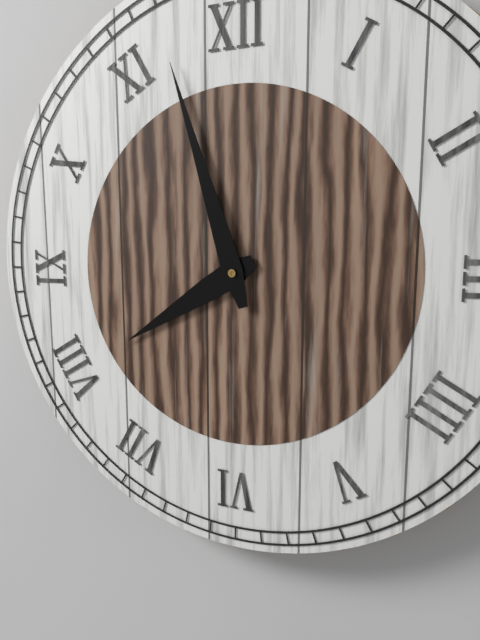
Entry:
7 h 57 min
